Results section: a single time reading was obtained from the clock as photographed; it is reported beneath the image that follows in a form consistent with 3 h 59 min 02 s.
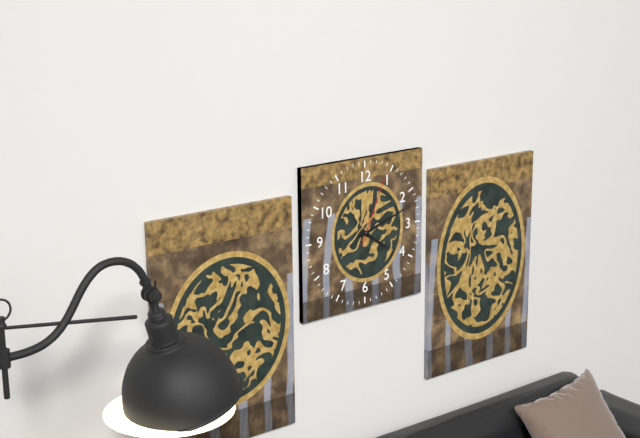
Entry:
4 h 12 min 04 s
